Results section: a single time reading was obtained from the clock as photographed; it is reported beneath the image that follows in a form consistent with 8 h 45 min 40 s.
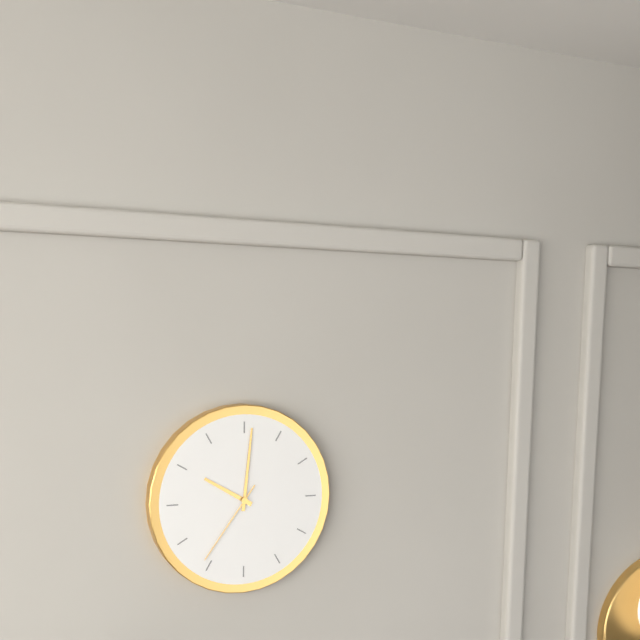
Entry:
10 h 01 min 36 s
